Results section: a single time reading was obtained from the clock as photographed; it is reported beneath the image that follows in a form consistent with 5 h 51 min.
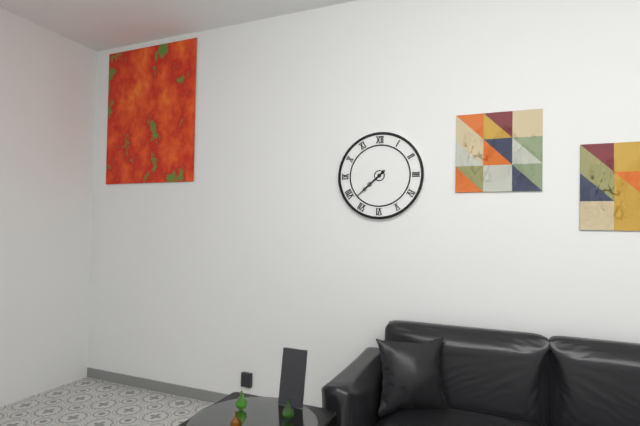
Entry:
7 h 38 min
